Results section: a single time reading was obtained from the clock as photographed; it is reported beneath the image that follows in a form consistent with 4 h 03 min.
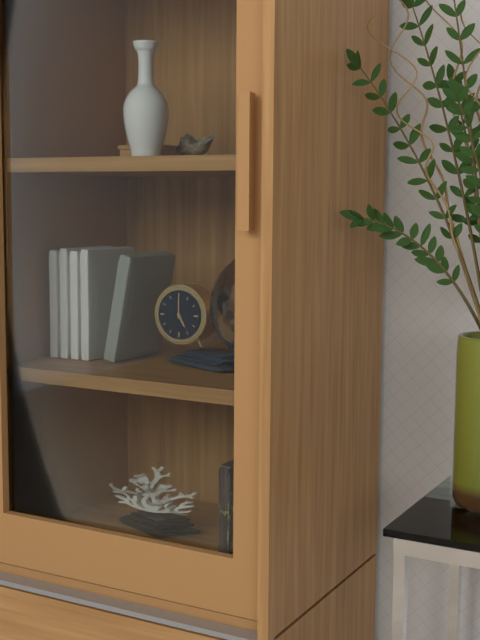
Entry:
5 h 00 min
